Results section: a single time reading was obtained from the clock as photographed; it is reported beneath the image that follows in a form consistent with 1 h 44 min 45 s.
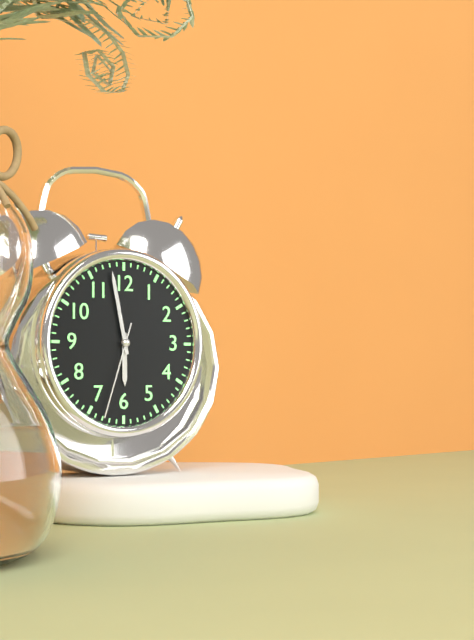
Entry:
5 h 58 min 33 s
